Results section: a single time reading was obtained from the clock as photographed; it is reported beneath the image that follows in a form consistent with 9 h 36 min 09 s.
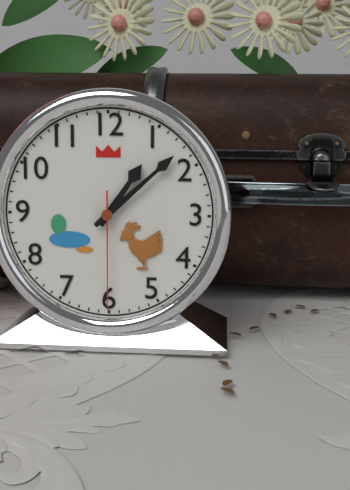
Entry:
1 h 08 min 30 s
